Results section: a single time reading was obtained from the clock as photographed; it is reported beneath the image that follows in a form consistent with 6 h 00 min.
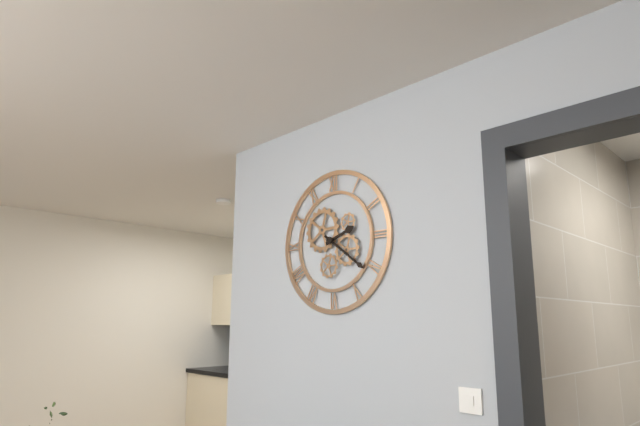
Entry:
2 h 21 min
